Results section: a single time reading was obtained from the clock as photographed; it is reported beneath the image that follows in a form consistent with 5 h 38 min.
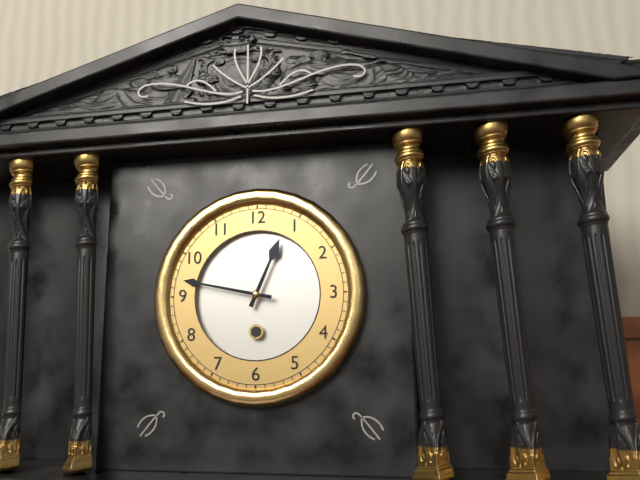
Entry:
12 h 47 min
